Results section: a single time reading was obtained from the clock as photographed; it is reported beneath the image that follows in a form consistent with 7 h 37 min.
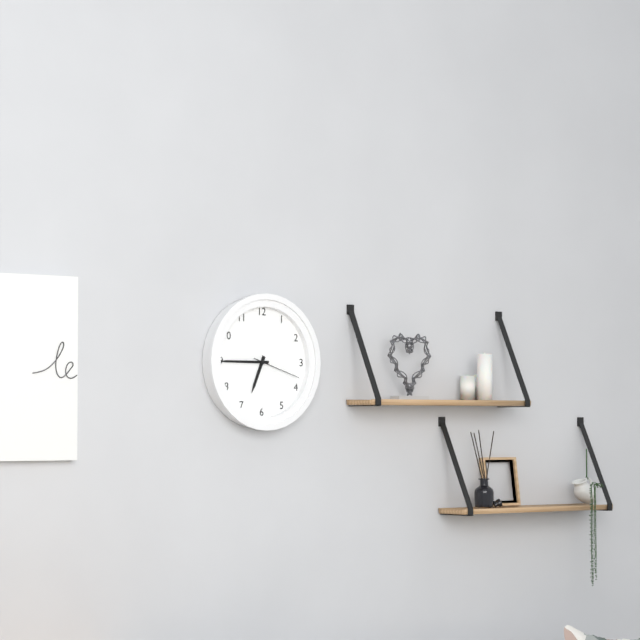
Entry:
6 h 45 min
